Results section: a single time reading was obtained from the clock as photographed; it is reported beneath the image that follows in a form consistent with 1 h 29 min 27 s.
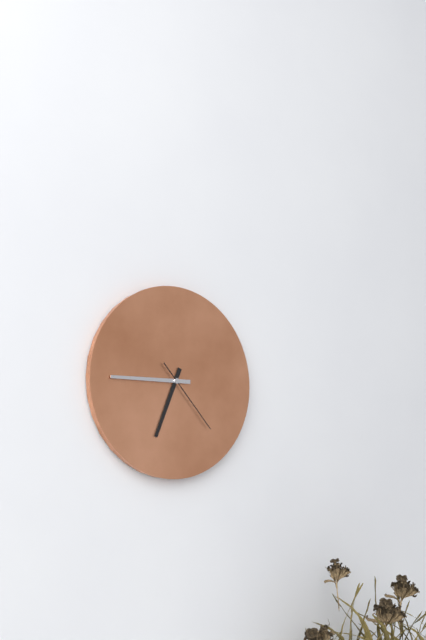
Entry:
6 h 45 min 23 s
